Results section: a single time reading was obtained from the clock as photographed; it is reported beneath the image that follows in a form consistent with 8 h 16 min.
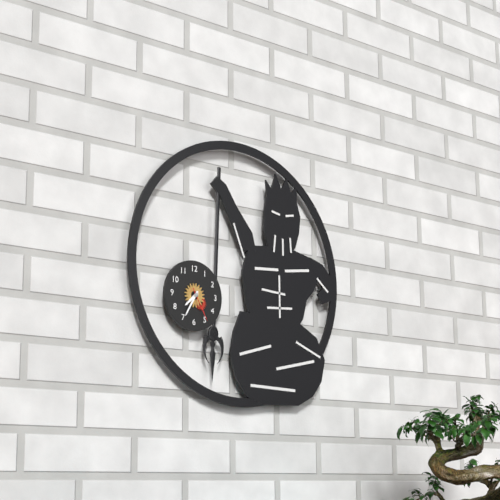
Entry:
7 h 35 min
